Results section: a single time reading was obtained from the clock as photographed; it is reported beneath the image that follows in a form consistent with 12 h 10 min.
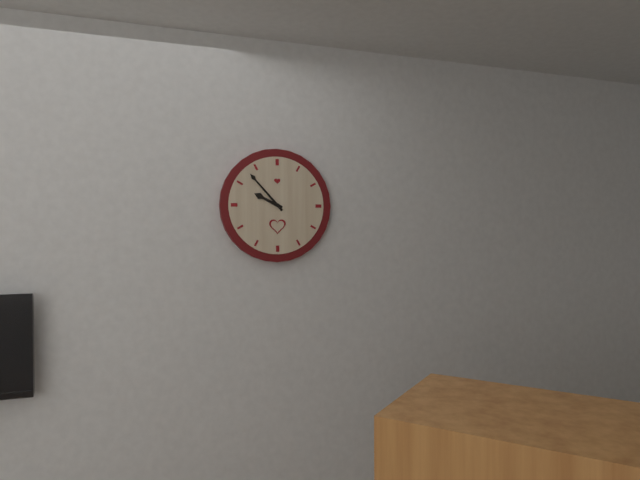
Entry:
9 h 53 min
